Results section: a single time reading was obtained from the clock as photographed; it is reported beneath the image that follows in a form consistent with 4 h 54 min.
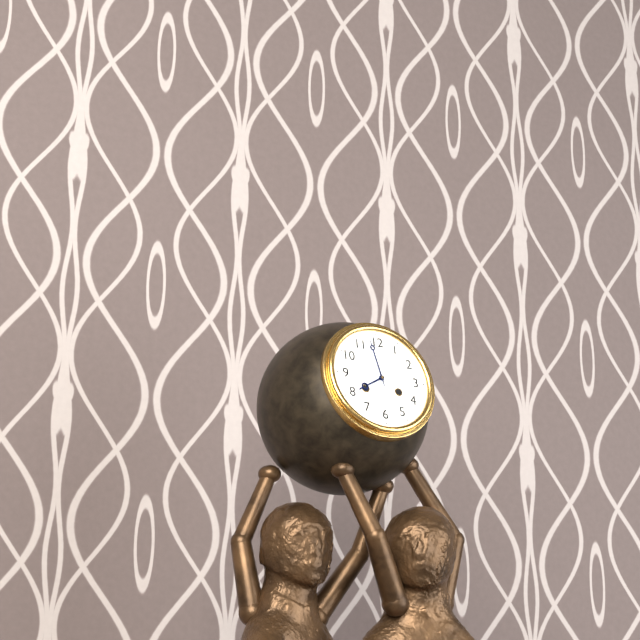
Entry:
7 h 58 min
